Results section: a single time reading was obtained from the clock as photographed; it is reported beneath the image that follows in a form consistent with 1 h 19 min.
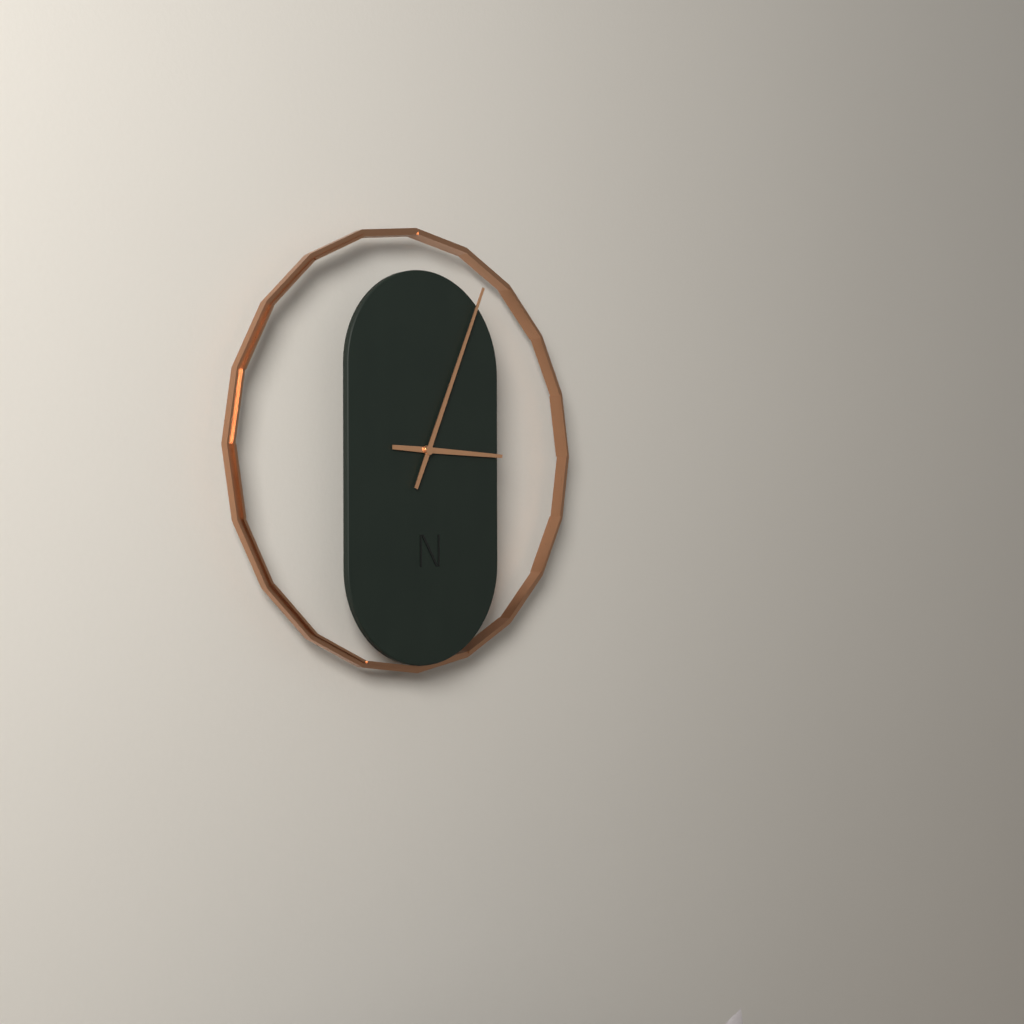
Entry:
3 h 04 min
